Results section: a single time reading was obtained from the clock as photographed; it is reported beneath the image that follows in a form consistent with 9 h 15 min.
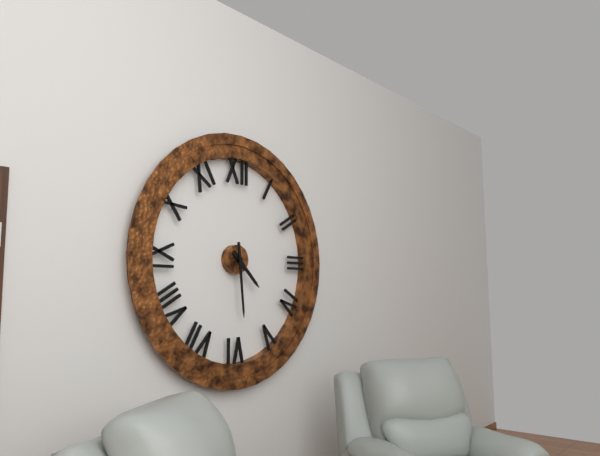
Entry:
4 h 29 min
